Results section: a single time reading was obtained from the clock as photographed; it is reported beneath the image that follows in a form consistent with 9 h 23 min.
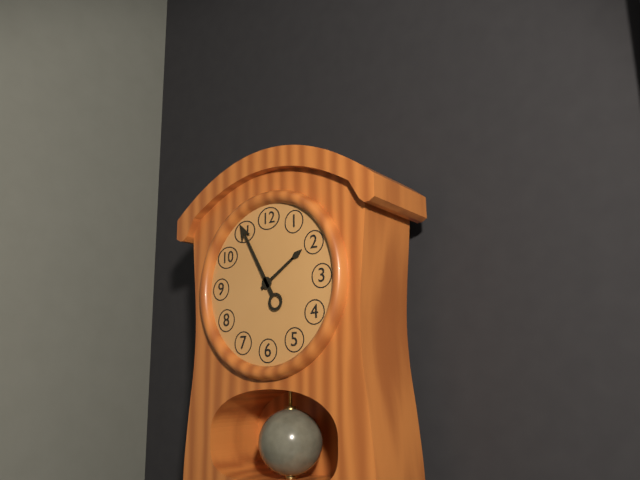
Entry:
1 h 55 min
